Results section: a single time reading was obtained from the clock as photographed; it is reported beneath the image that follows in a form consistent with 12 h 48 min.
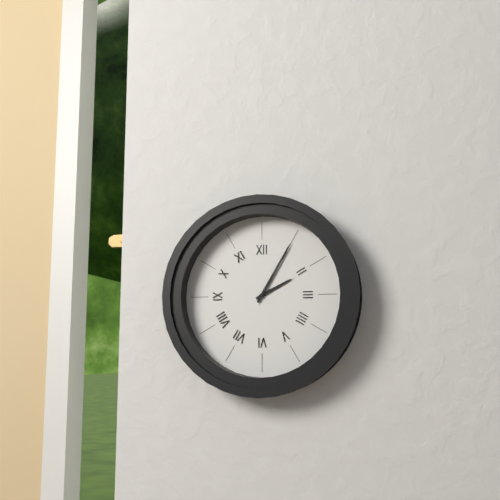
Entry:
2 h 05 min
